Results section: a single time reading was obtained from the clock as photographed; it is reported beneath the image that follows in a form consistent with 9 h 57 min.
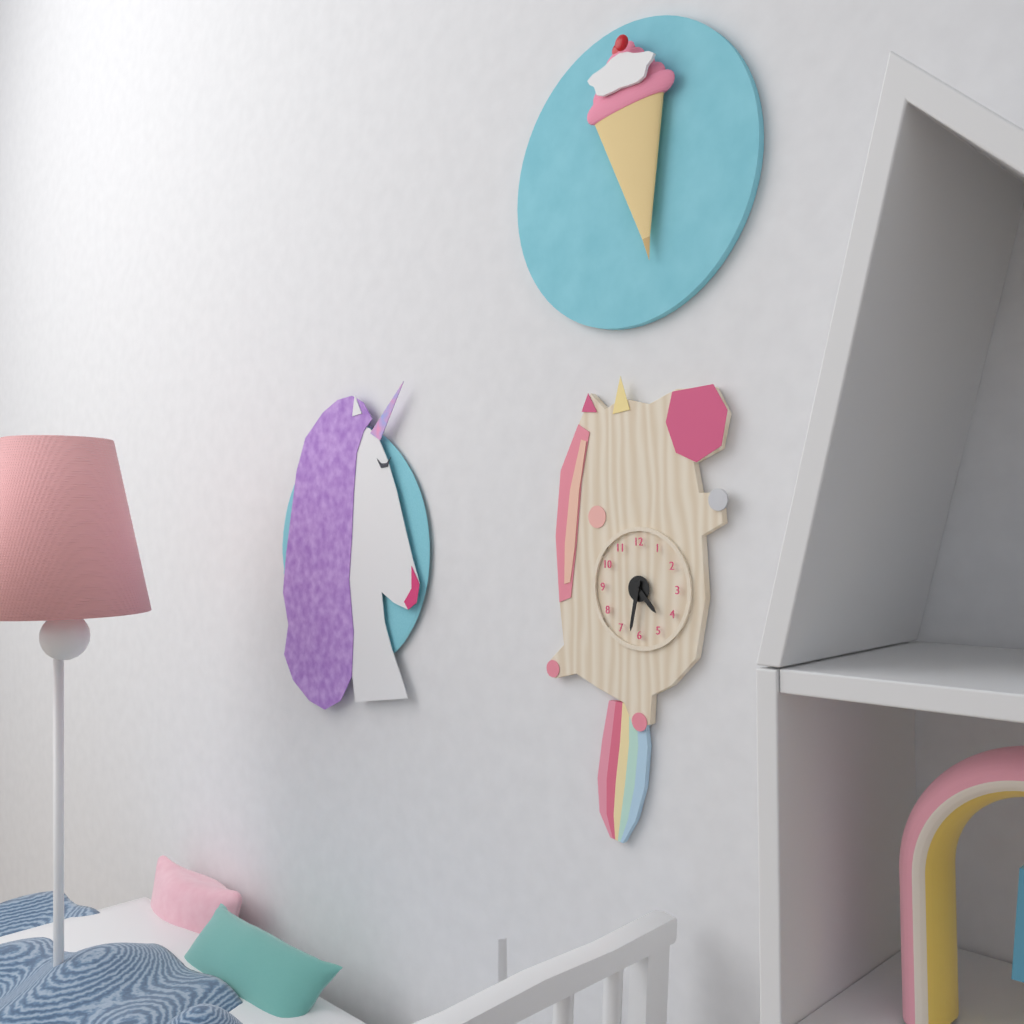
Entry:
4 h 32 min
